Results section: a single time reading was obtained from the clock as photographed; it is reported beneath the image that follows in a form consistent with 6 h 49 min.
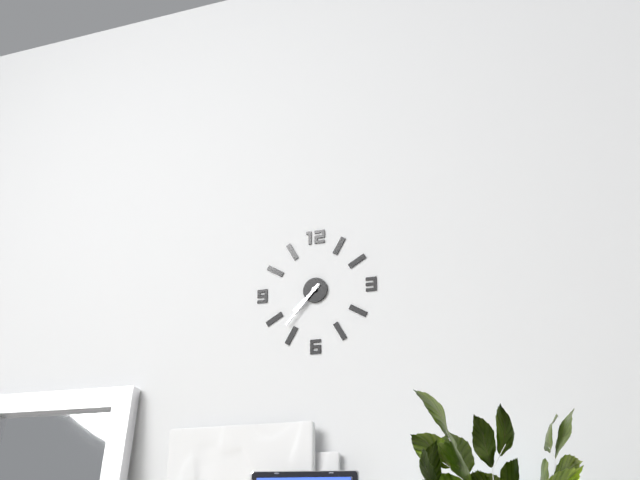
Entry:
7 h 37 min
